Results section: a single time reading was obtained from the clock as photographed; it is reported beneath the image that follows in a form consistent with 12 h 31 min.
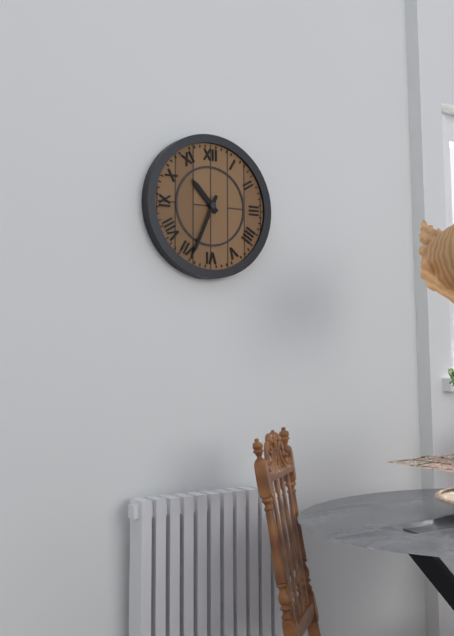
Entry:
10 h 34 min
